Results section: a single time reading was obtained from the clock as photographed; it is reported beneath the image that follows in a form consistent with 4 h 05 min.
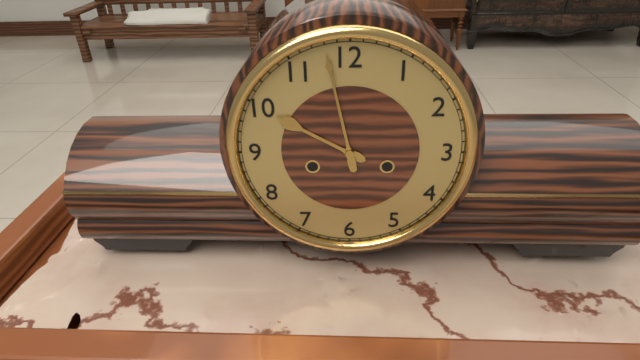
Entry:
9 h 58 min
